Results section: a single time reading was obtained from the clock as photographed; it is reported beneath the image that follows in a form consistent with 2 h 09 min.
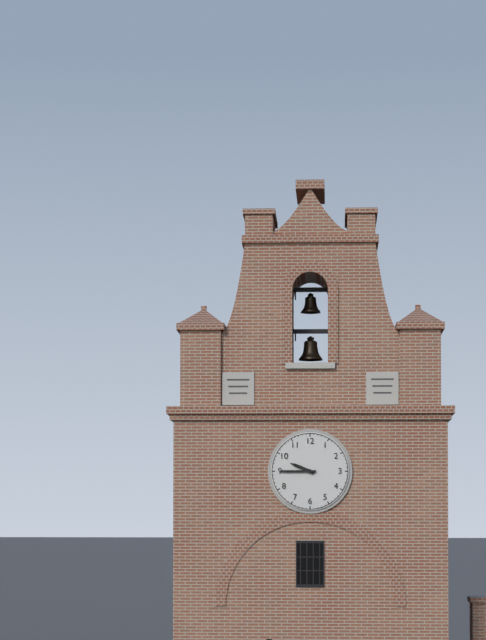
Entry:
9 h 45 min
